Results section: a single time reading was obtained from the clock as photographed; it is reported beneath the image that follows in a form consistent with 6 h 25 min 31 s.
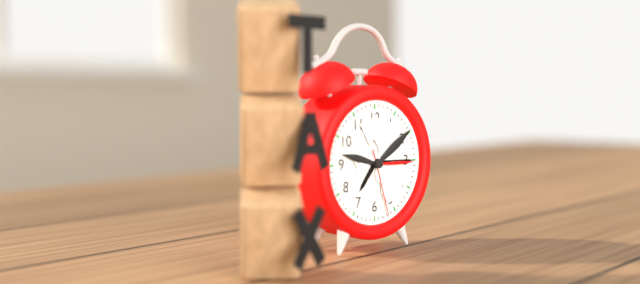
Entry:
7 h 15 min 27 s
